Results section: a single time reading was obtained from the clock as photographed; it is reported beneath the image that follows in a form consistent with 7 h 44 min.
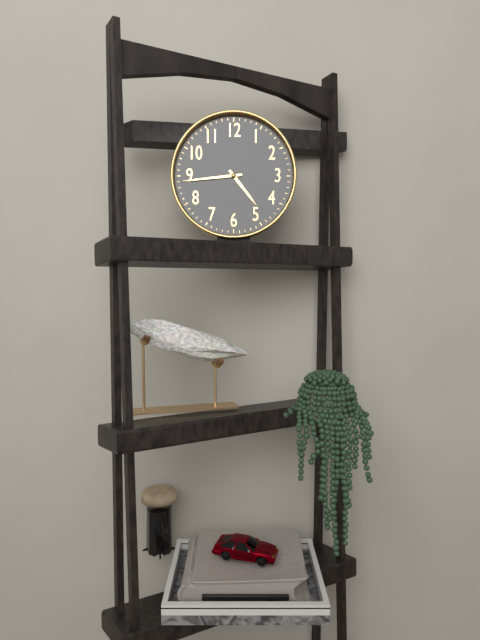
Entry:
4 h 44 min
